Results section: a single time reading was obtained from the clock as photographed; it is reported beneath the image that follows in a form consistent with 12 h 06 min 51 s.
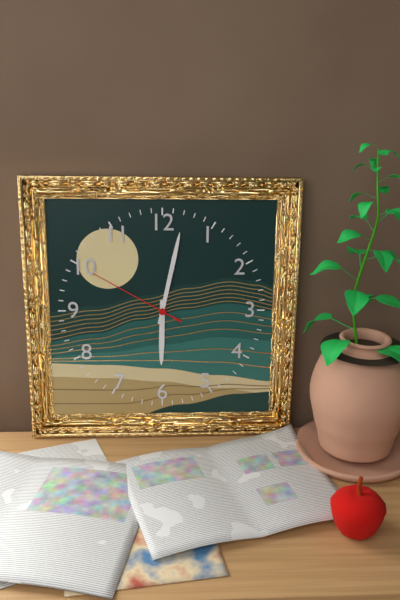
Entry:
6 h 02 min 50 s
